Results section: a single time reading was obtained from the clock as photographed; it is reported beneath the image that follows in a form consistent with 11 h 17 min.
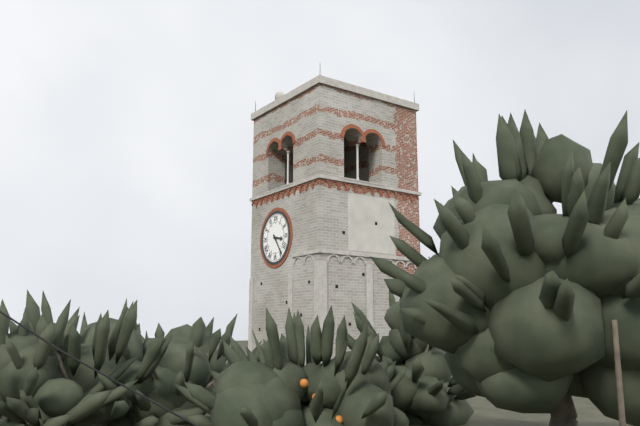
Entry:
3 h 24 min
